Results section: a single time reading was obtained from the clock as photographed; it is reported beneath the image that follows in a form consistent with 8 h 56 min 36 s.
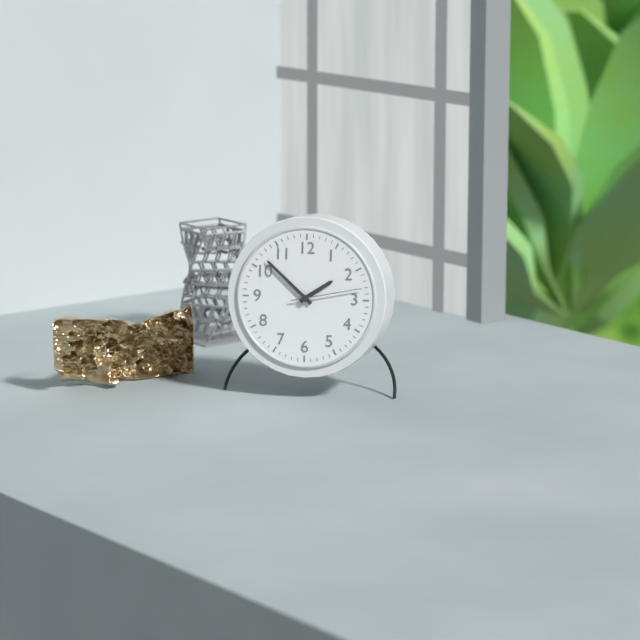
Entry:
1 h 52 min 13 s
